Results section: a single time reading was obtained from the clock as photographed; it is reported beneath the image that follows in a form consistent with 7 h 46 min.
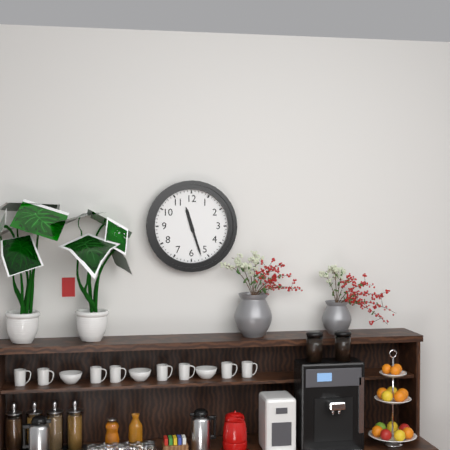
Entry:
11 h 27 min
